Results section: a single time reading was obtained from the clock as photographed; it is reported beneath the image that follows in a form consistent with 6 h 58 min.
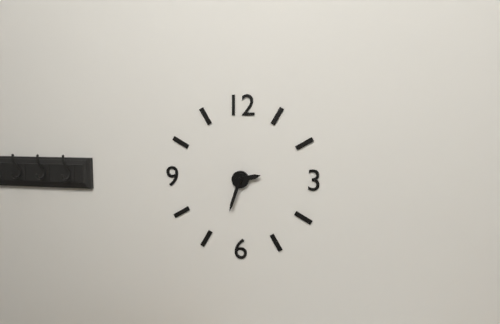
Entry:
2 h 33 min
